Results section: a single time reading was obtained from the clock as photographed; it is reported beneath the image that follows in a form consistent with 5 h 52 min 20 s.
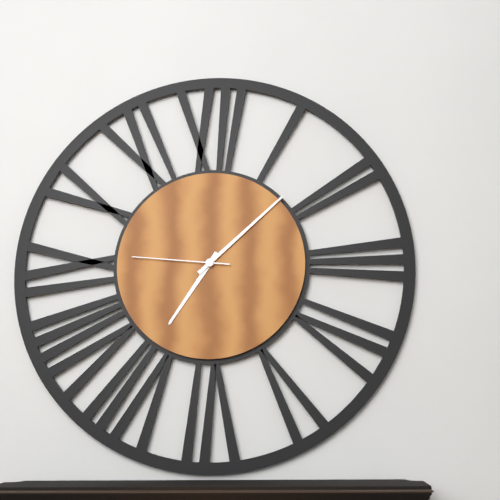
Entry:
7 h 08 min 46 s
